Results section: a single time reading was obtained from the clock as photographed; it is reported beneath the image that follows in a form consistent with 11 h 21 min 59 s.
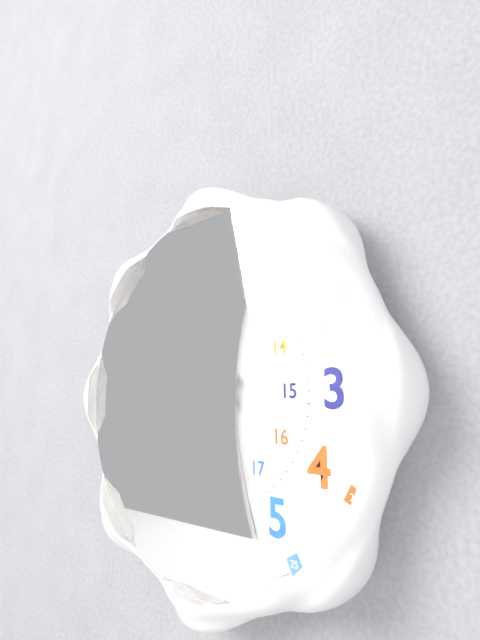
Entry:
10 h 37 min 27 s
